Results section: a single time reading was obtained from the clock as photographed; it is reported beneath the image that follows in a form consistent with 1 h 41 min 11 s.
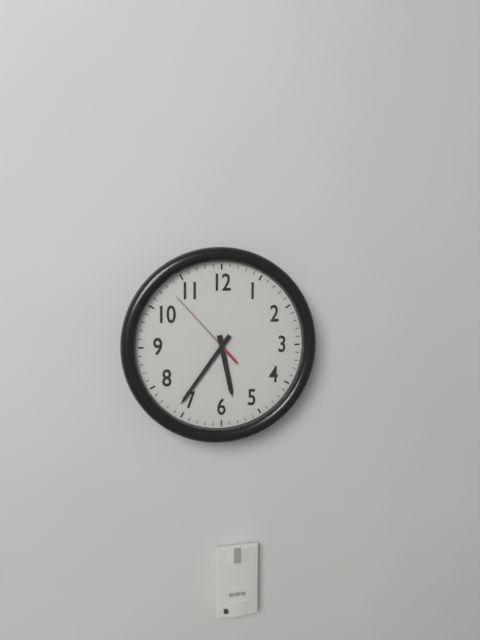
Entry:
5 h 36 min 53 s
